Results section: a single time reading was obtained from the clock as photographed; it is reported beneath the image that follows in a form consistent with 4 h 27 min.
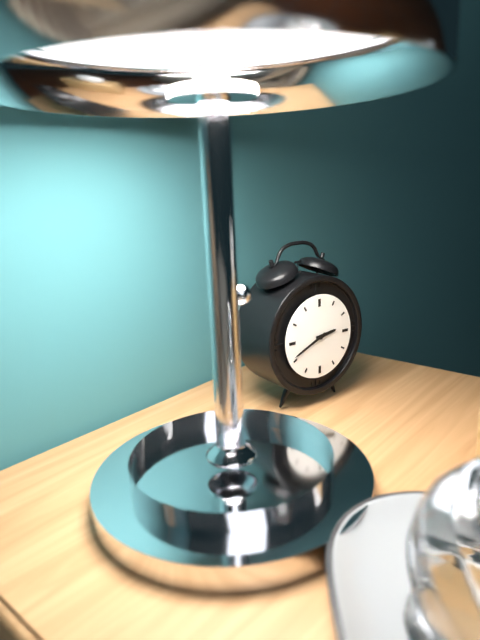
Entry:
2 h 41 min
